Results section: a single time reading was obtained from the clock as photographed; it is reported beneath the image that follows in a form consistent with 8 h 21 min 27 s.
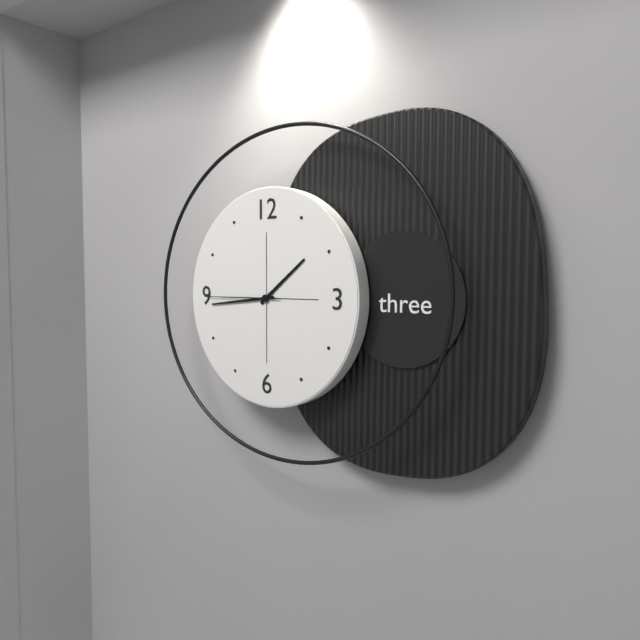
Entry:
1 h 44 min 45 s
